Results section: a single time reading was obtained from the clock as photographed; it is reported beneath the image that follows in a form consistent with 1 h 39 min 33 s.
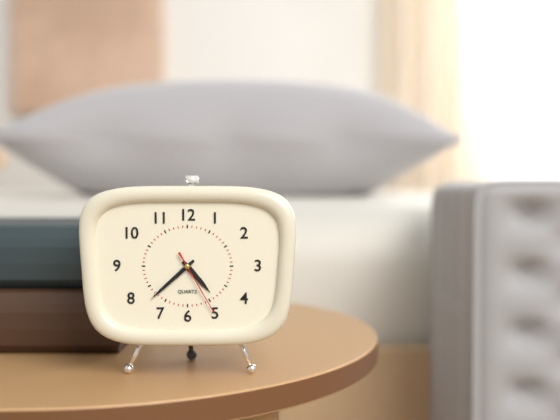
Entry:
4 h 38 min 25 s
